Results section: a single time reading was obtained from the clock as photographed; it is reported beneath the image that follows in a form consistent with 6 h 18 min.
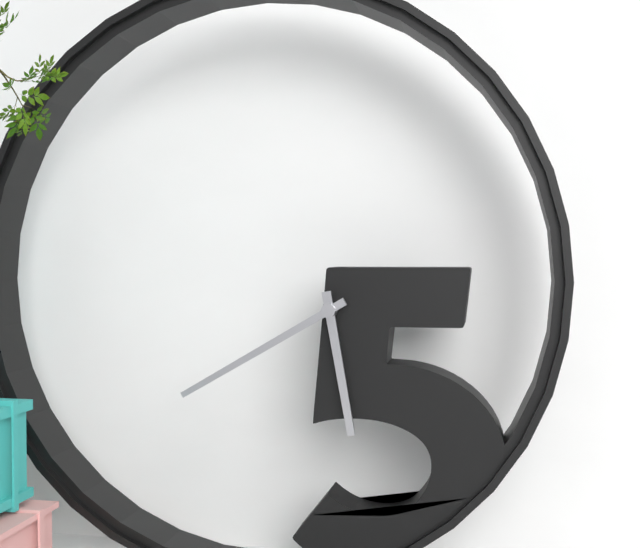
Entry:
5 h 40 min
